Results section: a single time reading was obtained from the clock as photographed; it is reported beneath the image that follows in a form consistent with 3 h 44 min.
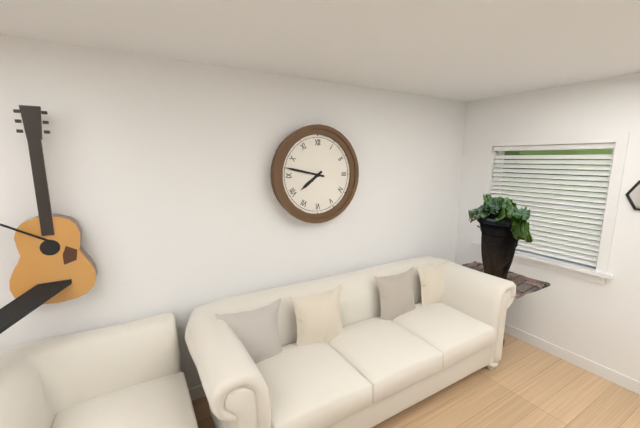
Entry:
7 h 47 min
